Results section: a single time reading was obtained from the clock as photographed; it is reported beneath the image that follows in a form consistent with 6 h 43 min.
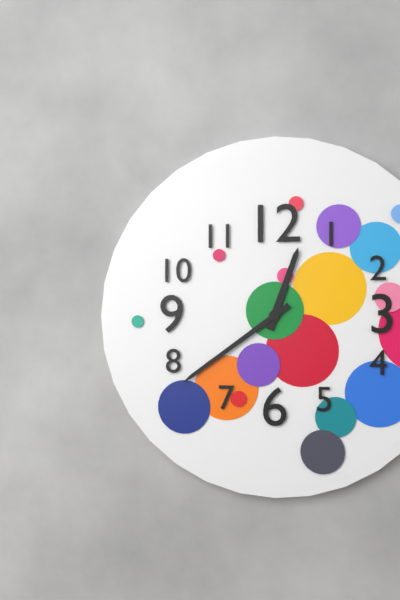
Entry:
12 h 39 min
